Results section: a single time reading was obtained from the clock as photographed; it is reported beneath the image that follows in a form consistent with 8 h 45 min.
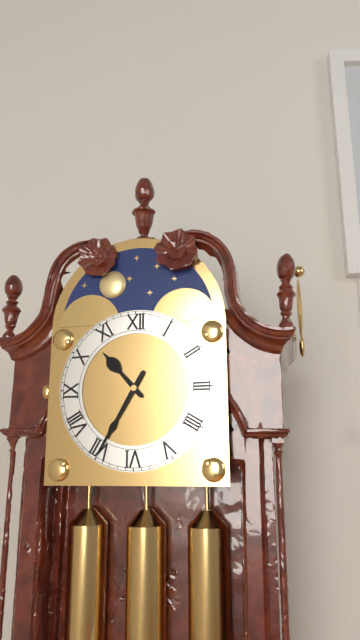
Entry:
10 h 35 min
